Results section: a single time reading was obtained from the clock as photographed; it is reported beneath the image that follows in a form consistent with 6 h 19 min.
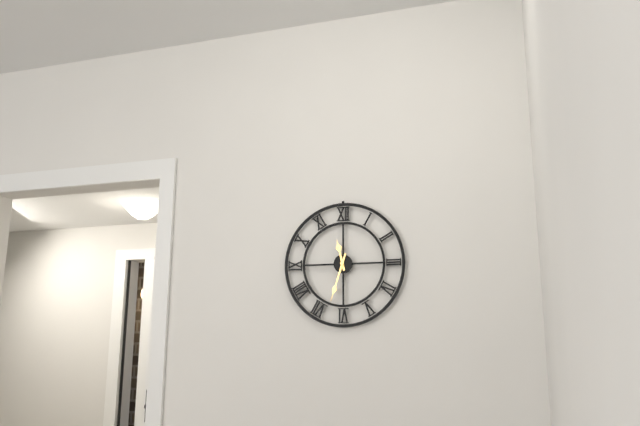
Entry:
11 h 33 min
